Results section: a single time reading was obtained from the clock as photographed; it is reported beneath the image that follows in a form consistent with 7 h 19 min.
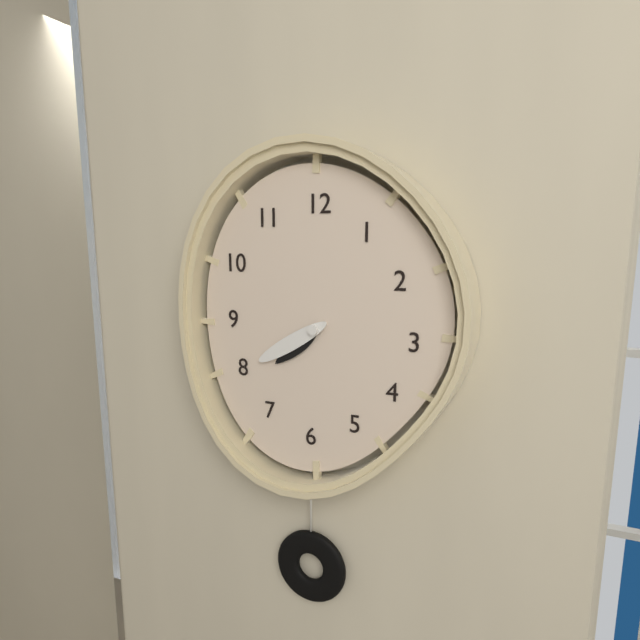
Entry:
7 h 40 min
